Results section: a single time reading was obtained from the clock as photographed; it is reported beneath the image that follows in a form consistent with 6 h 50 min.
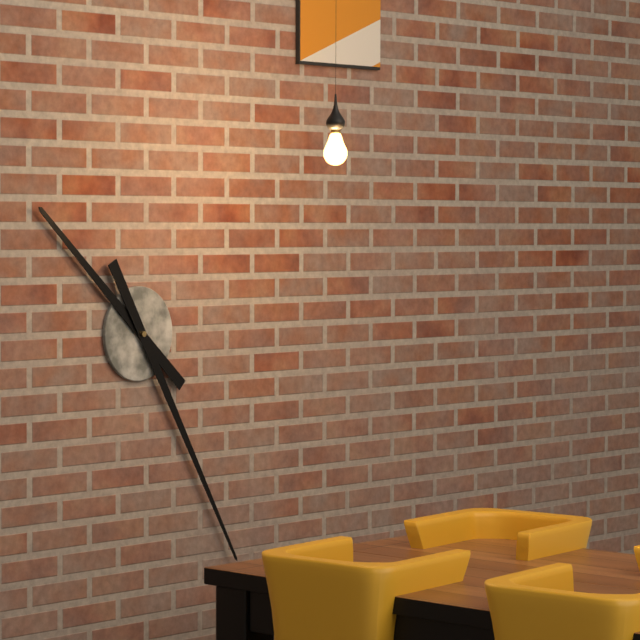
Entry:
10 h 25 min
